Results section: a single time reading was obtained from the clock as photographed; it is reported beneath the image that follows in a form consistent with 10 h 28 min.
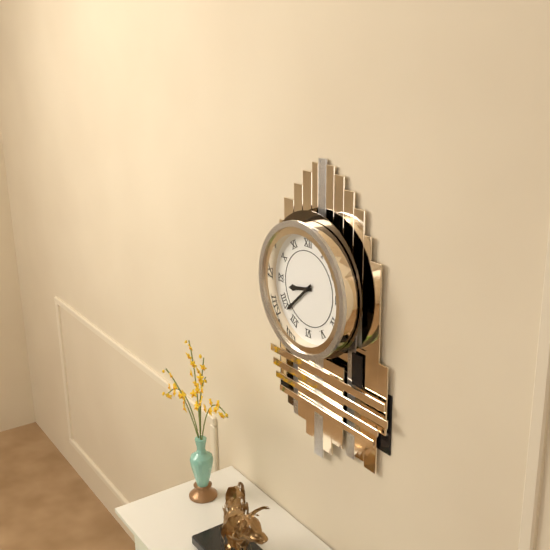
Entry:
8 h 38 min
